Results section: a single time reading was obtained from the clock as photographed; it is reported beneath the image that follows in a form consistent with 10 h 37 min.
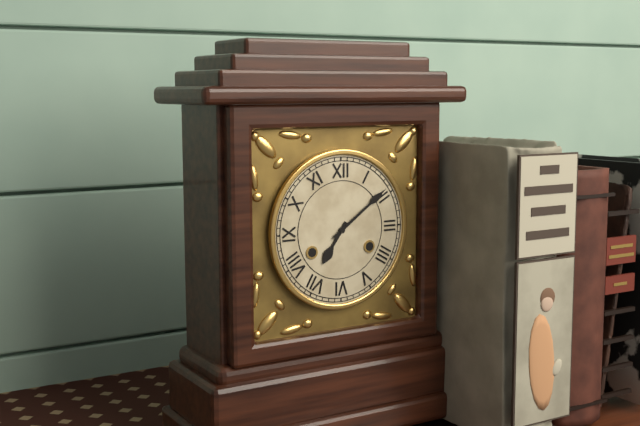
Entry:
7 h 09 min
